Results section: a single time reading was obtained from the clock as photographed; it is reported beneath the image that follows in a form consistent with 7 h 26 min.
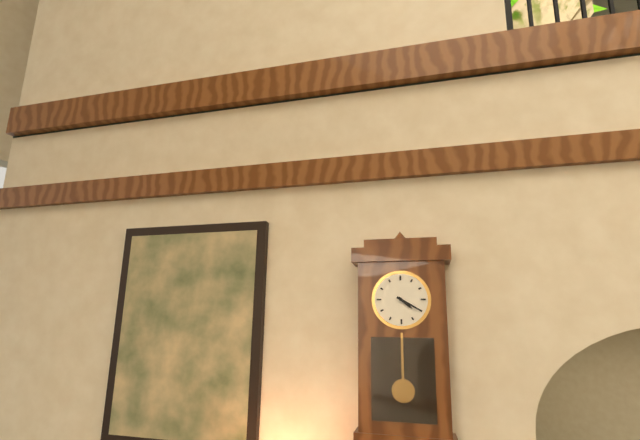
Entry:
4 h 20 min
